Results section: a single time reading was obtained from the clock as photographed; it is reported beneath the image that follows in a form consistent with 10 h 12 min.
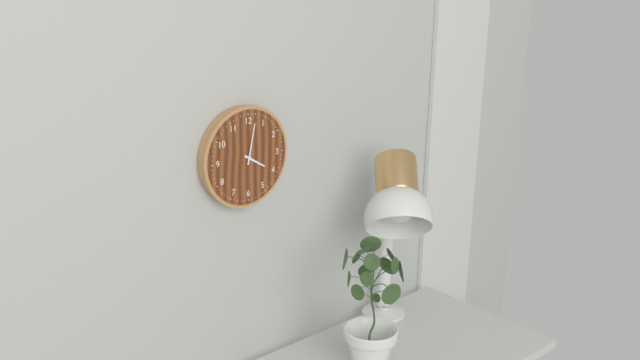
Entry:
4 h 02 min
